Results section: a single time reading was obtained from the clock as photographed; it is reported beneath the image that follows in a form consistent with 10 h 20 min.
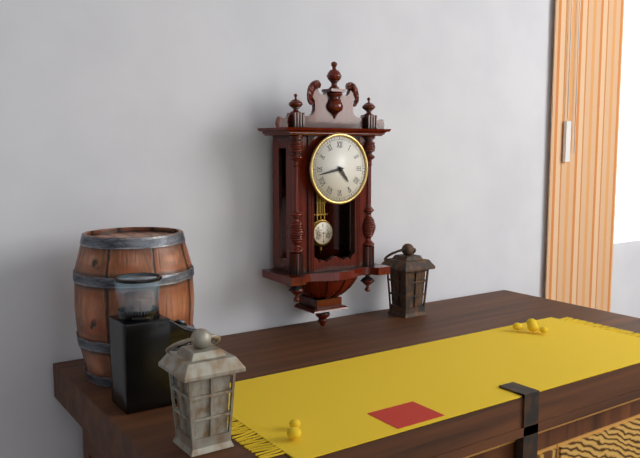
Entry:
4 h 43 min
